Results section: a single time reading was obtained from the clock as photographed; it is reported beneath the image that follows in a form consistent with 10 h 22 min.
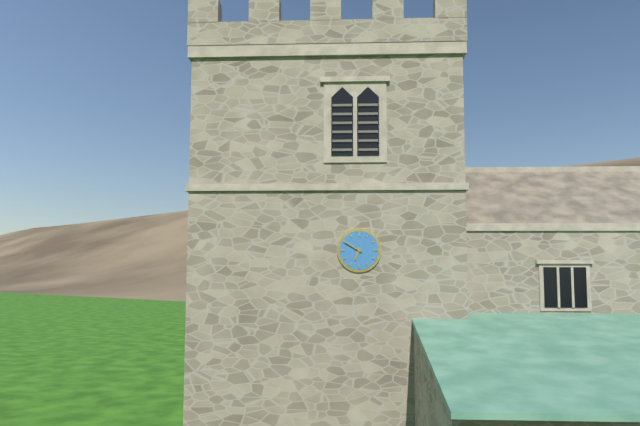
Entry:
6 h 50 min
